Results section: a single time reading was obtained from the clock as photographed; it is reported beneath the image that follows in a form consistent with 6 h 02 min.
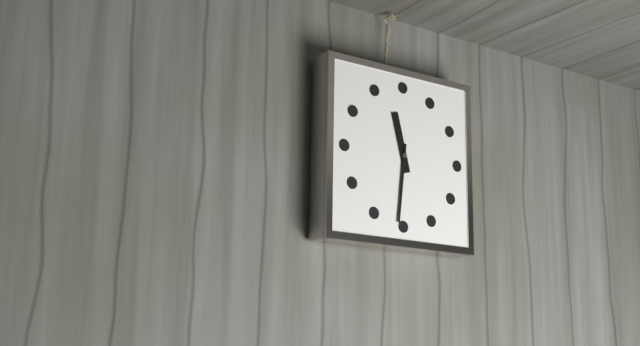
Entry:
11 h 31 min
